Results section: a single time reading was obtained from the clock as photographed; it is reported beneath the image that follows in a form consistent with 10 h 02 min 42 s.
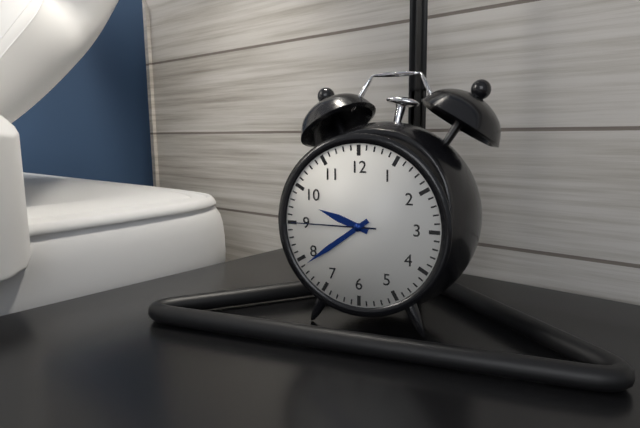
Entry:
9 h 39 min 45 s
